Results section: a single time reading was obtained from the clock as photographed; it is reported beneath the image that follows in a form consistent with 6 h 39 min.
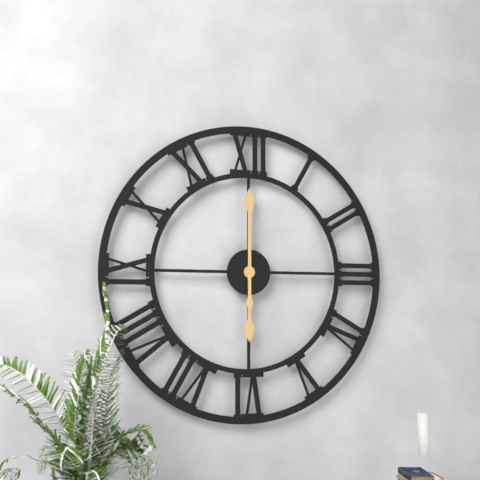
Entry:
6 h 00 min
